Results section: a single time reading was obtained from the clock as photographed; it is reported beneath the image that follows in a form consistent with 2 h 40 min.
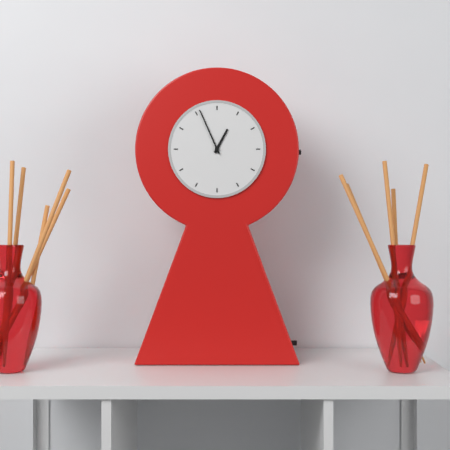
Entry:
12 h 56 min
